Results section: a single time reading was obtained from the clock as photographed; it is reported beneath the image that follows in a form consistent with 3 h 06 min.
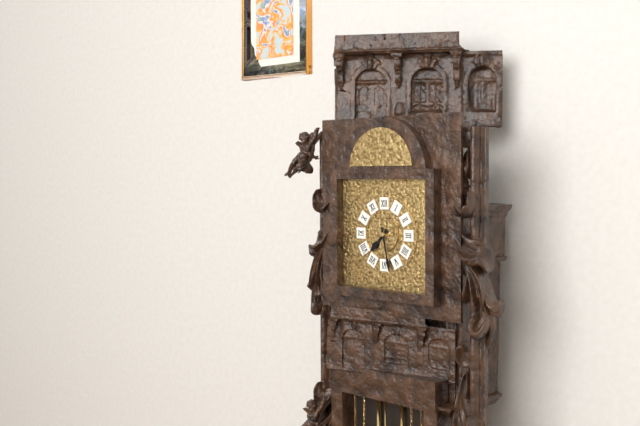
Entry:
7 h 28 min
